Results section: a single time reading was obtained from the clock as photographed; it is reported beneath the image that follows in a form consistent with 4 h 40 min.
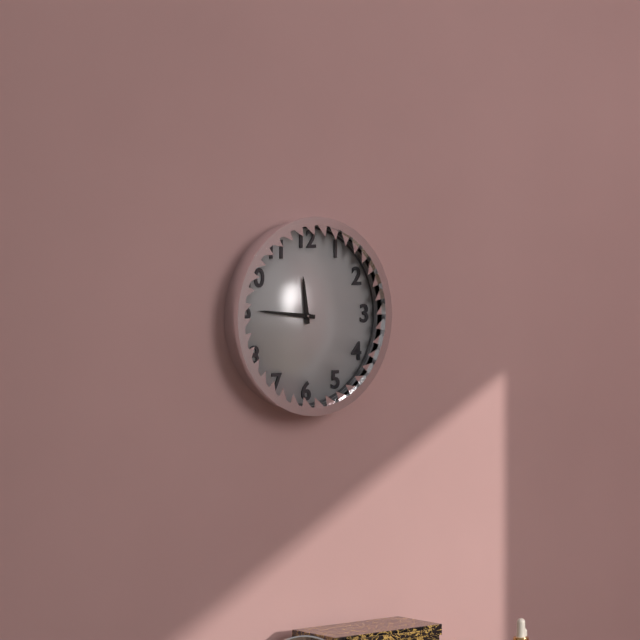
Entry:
11 h 46 min
